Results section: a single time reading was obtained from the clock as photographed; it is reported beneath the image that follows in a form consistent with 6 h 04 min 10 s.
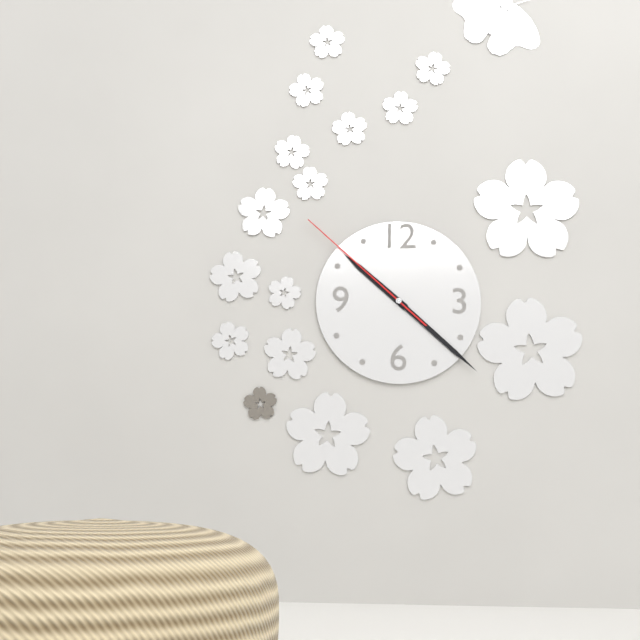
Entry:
10 h 22 min 52 s
